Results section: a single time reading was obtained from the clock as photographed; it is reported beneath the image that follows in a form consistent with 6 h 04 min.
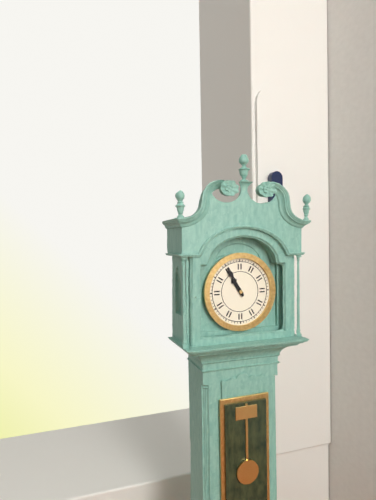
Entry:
10 h 55 min
